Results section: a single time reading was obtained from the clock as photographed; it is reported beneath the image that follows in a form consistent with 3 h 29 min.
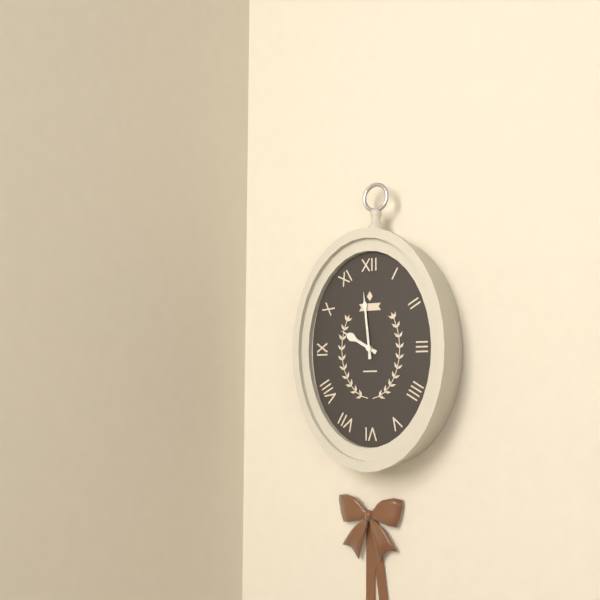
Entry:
9 h 59 min
